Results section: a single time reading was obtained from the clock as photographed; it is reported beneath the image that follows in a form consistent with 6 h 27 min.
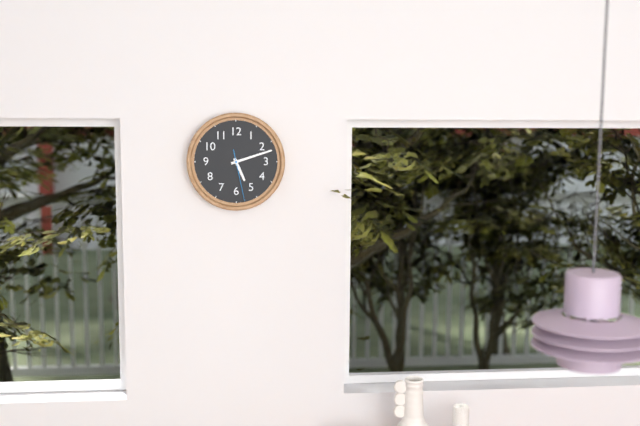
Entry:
5 h 12 min
